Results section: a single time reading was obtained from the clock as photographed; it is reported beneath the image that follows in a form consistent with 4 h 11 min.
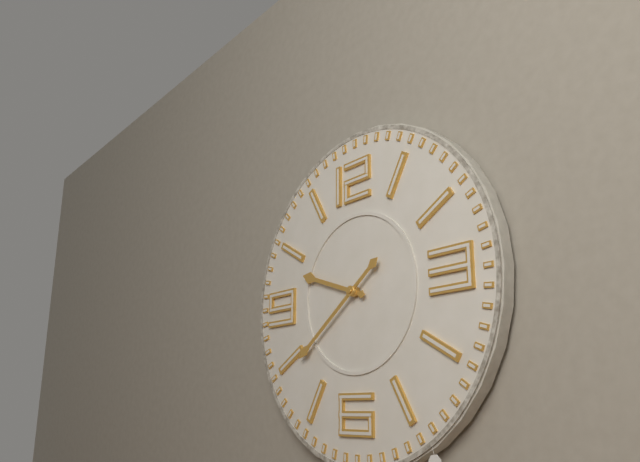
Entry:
9 h 39 min
